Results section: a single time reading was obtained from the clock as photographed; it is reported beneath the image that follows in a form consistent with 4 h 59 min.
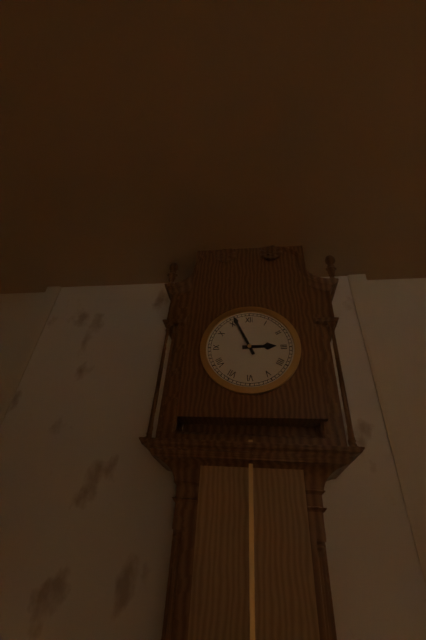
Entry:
2 h 56 min
